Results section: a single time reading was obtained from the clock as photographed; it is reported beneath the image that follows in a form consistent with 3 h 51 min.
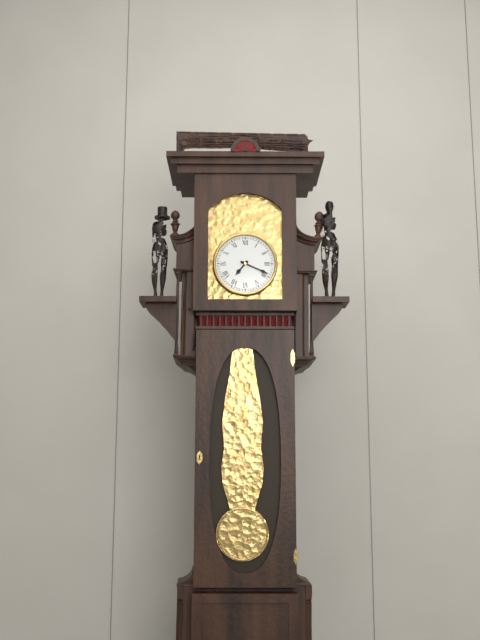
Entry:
7 h 19 min
